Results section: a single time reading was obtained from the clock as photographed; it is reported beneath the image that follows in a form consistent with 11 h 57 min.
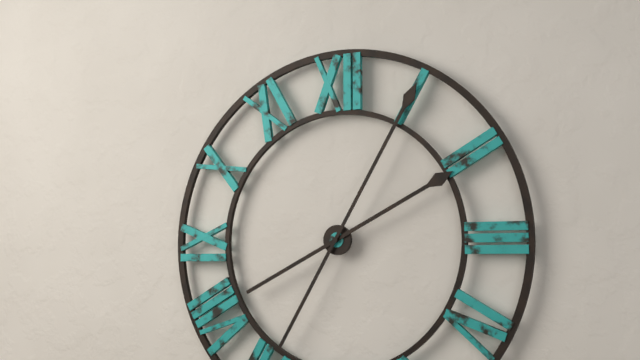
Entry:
2 h 05 min
